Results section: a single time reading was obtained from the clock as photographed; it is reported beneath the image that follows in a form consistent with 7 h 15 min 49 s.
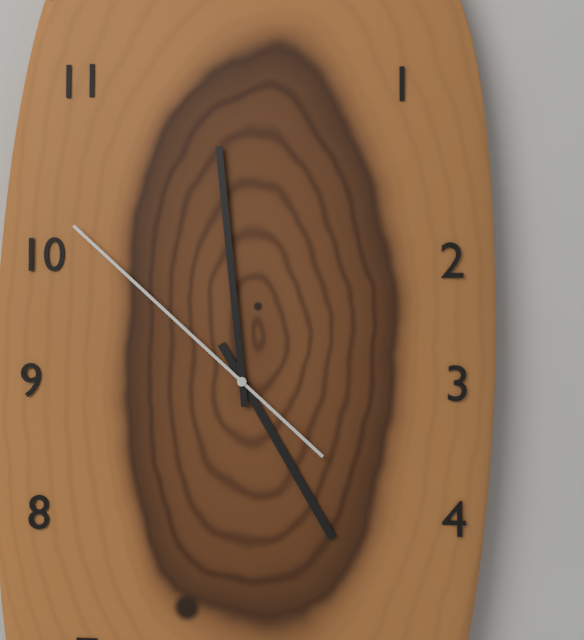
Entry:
4 h 59 min 52 s
